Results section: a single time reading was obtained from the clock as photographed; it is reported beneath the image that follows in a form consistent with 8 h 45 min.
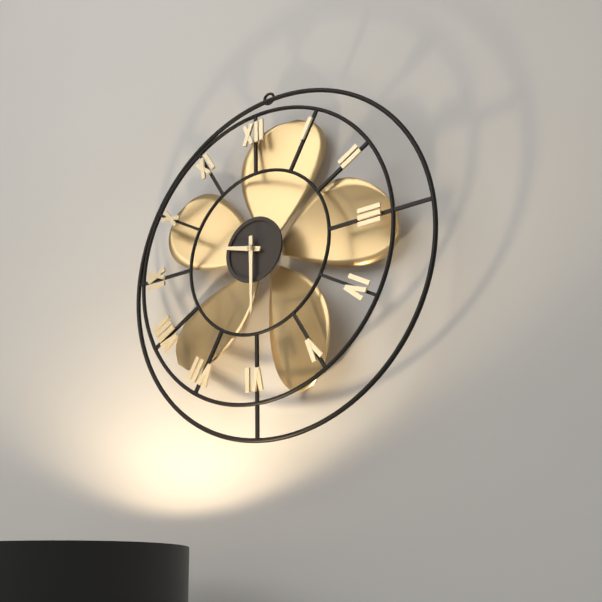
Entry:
9 h 30 min
